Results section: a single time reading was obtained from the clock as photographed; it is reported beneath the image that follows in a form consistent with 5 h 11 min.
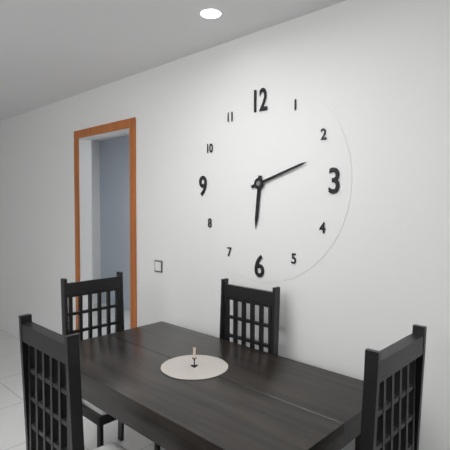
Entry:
6 h 12 min
